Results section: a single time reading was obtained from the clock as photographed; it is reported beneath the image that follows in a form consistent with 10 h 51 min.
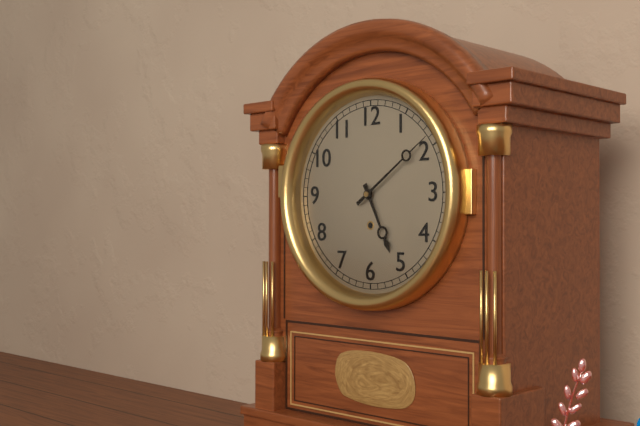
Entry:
5 h 09 min
